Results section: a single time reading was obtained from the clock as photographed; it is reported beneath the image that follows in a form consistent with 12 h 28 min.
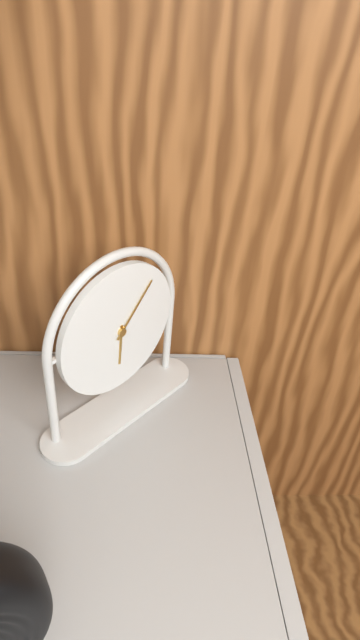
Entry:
6 h 07 min
